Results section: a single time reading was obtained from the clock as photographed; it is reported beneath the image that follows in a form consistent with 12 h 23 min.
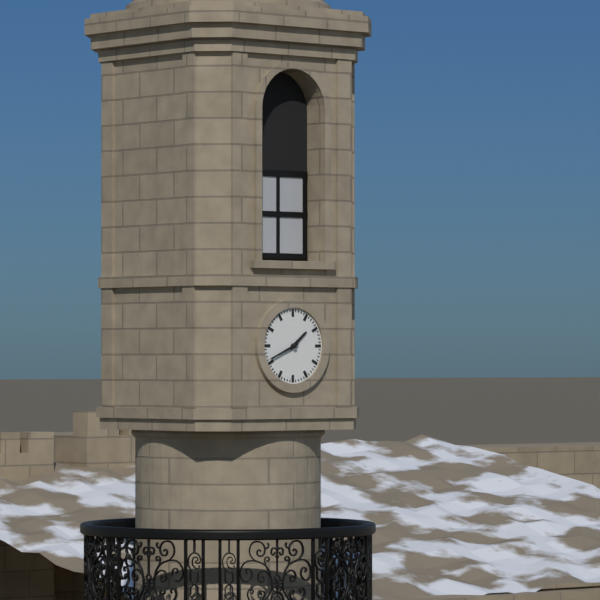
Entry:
1 h 41 min
